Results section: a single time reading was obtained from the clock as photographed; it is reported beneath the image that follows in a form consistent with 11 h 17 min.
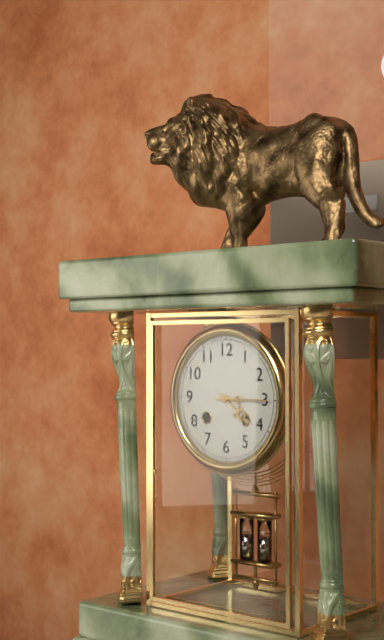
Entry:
4 h 15 min
